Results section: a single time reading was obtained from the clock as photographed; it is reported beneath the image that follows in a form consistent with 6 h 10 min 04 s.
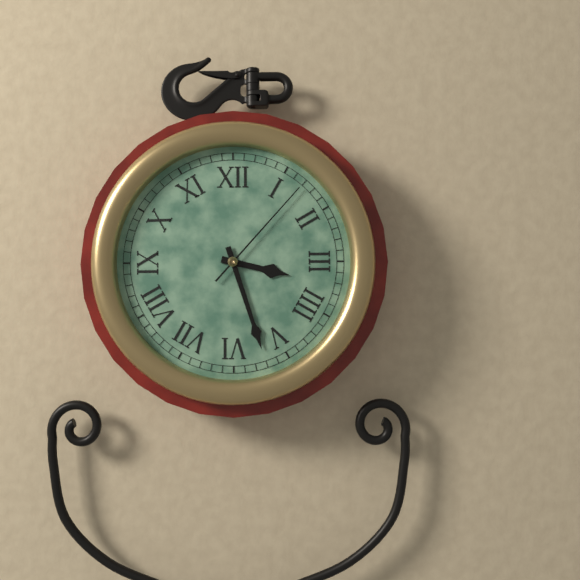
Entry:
3 h 27 min 07 s
